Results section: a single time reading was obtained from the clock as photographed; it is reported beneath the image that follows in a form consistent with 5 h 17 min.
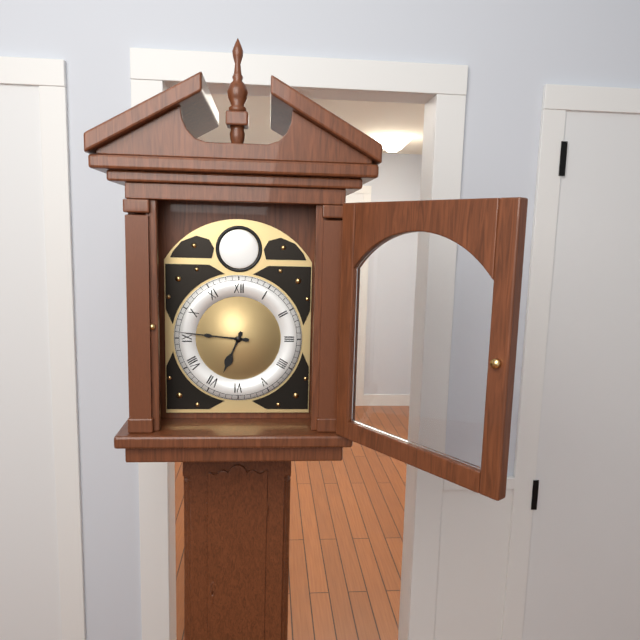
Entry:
6 h 46 min
